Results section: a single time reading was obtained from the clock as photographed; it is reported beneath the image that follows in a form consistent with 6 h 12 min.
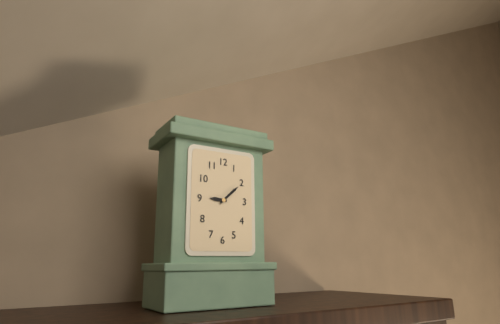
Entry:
9 h 08 min
